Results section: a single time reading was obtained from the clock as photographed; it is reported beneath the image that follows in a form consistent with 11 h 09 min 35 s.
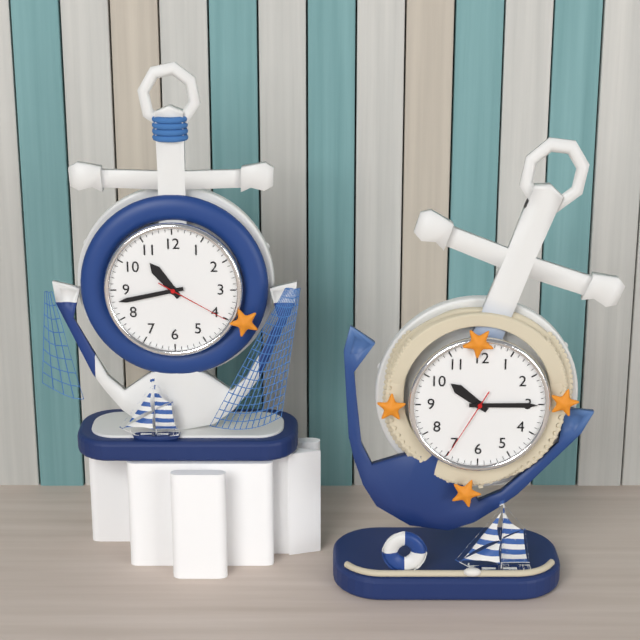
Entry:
10 h 43 min 20 s
